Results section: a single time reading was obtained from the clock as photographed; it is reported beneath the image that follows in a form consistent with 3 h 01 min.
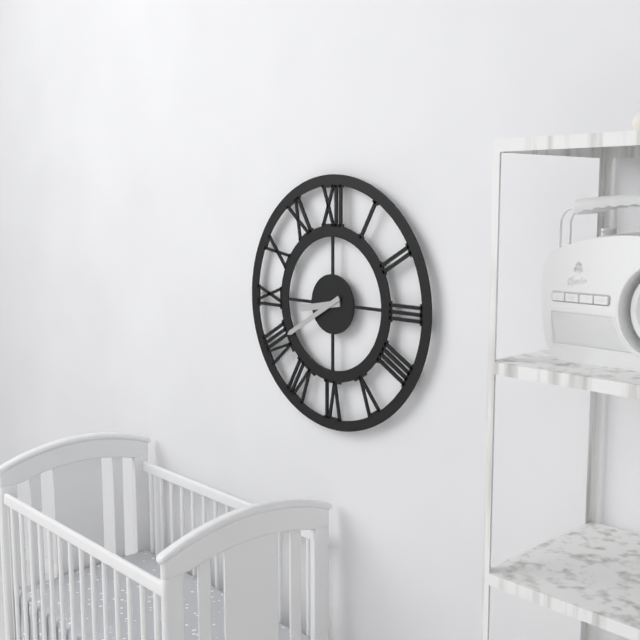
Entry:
8 h 40 min
